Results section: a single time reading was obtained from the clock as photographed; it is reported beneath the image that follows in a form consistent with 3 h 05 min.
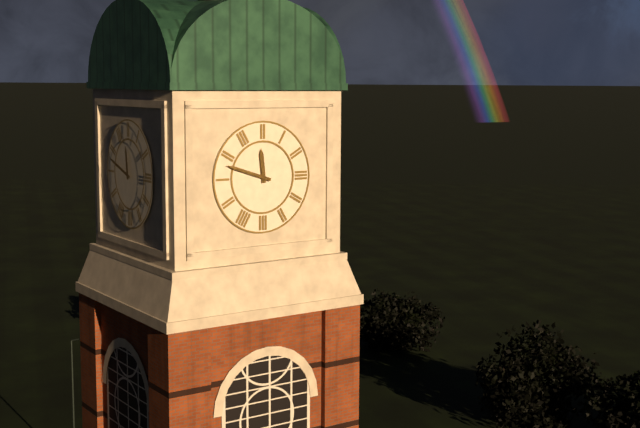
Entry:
11 h 48 min
